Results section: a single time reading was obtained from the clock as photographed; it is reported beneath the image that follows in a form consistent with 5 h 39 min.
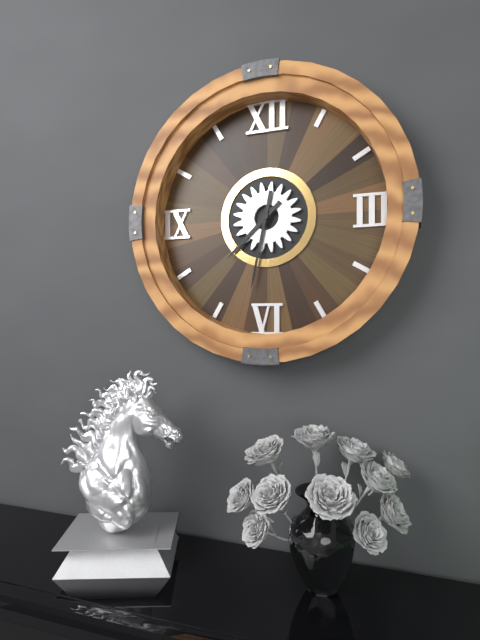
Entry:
7 h 32 min
